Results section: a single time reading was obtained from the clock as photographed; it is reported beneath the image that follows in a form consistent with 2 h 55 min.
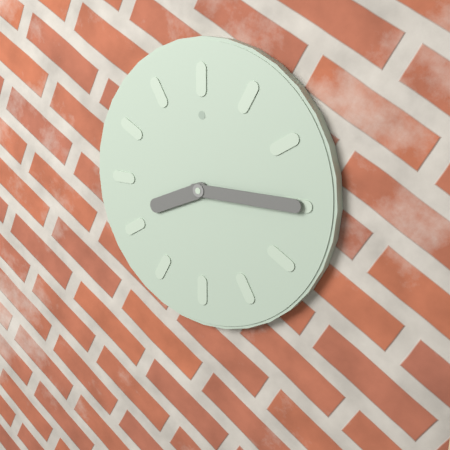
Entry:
8 h 15 min
